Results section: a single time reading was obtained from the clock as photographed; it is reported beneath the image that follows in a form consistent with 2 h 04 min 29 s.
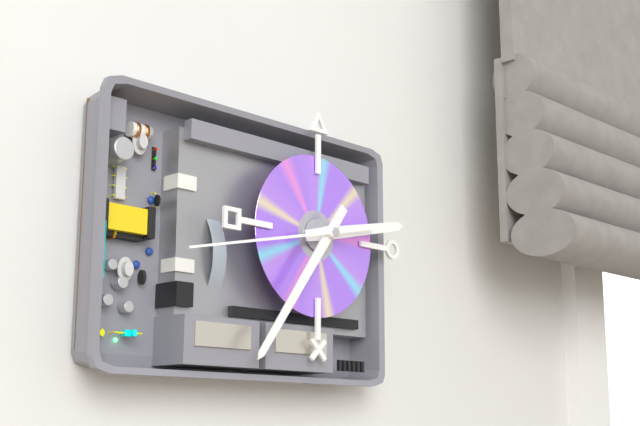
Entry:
2 h 36 min 43 s
